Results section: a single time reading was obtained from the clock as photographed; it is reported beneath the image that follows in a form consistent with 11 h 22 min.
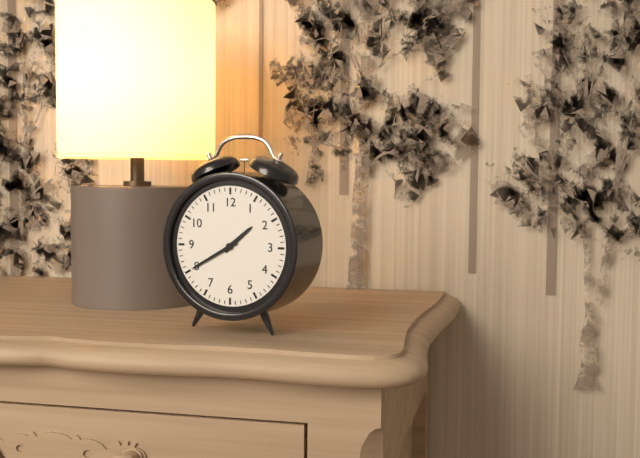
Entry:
1 h 40 min
